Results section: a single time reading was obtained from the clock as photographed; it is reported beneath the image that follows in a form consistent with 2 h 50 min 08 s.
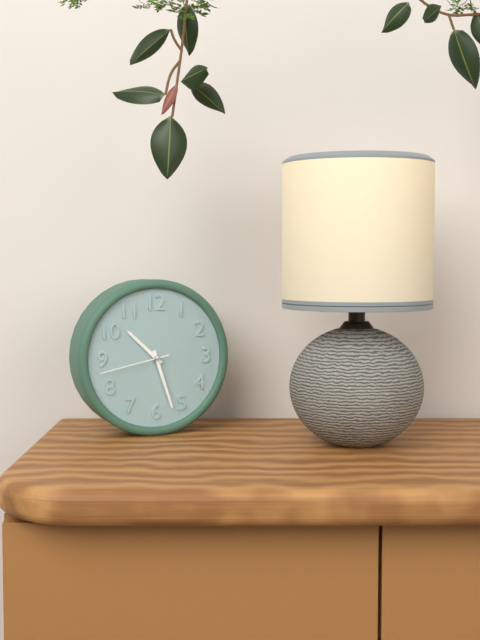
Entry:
10 h 27 min 43 s
